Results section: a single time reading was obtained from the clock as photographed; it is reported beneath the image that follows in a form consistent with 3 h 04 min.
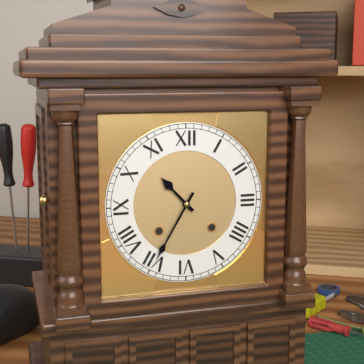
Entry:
10 h 35 min
